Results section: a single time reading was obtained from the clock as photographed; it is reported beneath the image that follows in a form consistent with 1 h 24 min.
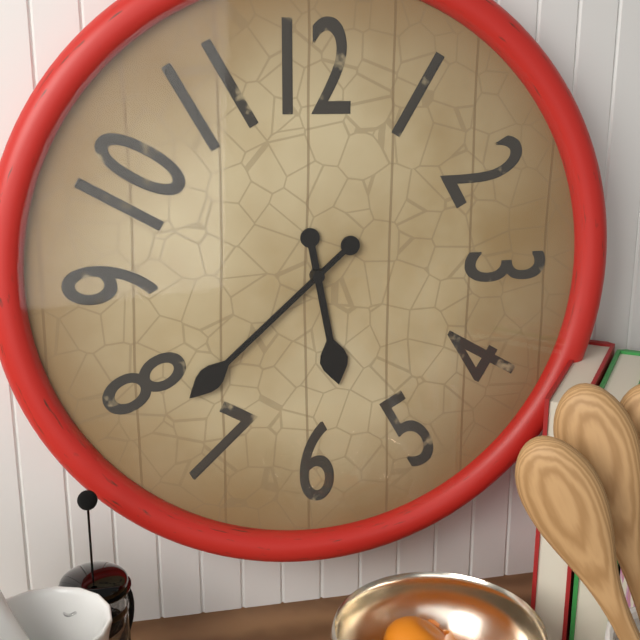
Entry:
5 h 38 min
